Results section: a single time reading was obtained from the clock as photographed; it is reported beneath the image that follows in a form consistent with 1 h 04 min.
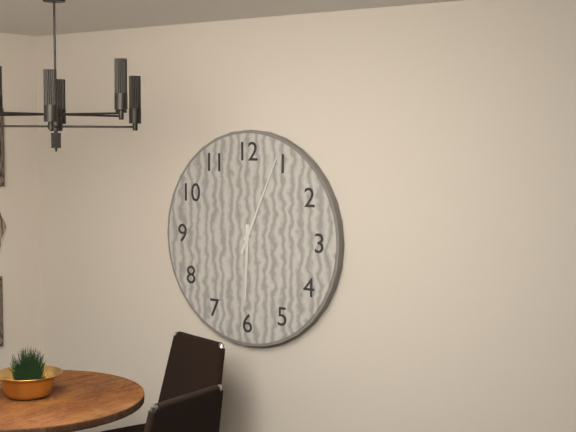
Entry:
6 h 04 min
